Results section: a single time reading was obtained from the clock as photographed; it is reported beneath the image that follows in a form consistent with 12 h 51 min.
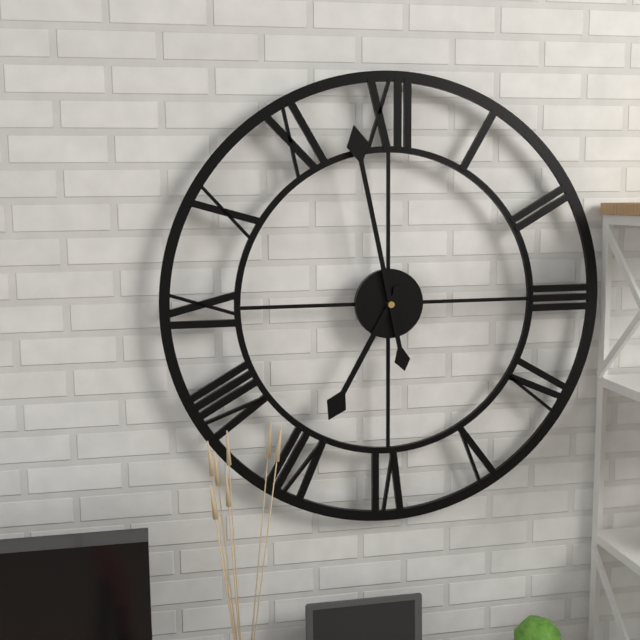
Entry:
6 h 58 min
